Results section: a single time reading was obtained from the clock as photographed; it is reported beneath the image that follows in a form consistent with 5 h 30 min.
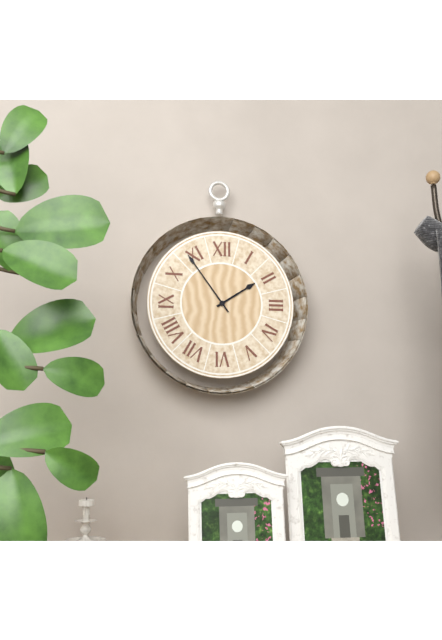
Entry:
1 h 54 min
